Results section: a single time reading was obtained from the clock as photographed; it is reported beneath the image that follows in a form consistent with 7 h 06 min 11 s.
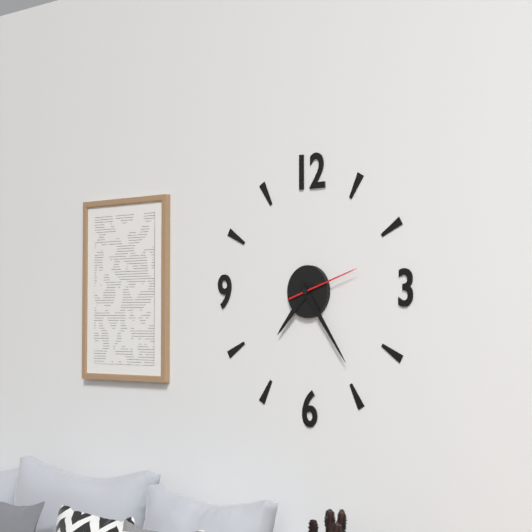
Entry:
7 h 24 min 12 s
